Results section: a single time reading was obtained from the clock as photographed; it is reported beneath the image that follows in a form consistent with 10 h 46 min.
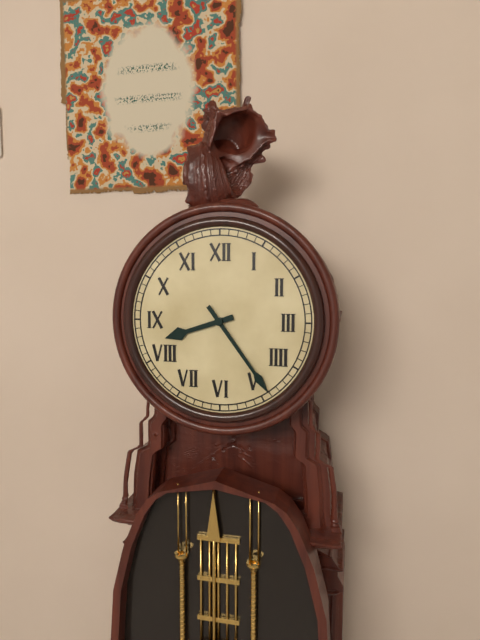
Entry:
8 h 24 min
